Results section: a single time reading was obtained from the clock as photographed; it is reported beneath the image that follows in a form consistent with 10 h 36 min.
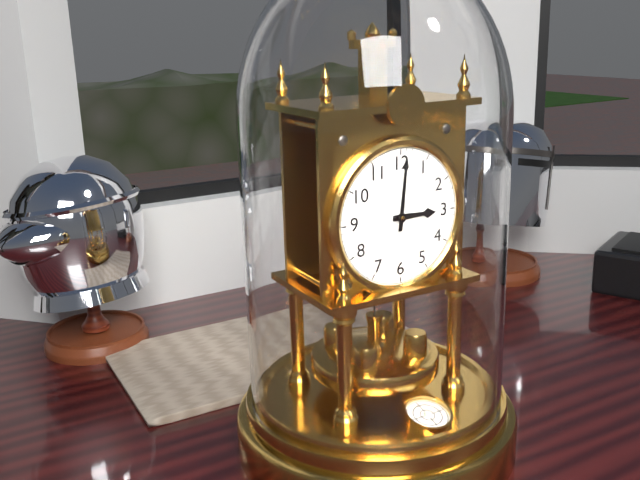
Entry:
3 h 01 min
